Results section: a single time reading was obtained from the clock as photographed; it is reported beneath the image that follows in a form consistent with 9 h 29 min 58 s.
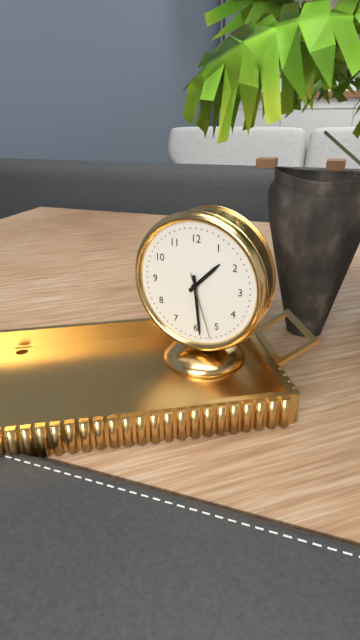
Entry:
1 h 29 min 27 s
